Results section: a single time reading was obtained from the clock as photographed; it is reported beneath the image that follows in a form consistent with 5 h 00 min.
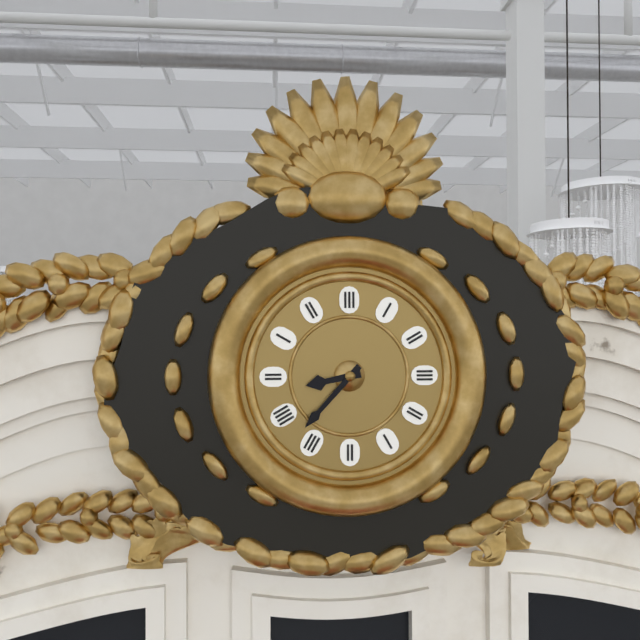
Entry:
8 h 37 min
